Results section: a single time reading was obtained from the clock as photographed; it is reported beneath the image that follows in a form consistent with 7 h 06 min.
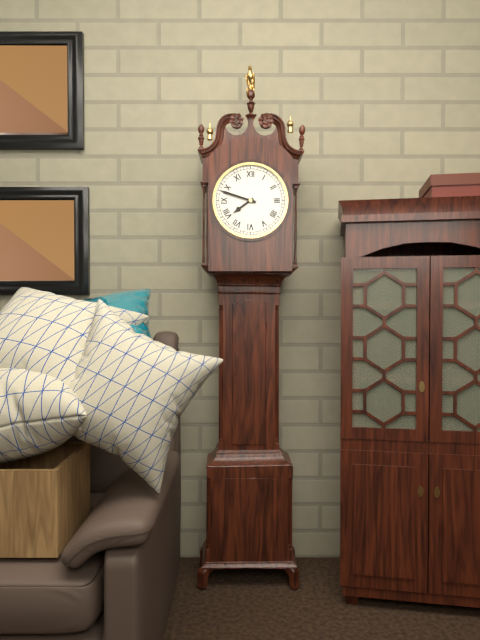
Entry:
7 h 48 min
